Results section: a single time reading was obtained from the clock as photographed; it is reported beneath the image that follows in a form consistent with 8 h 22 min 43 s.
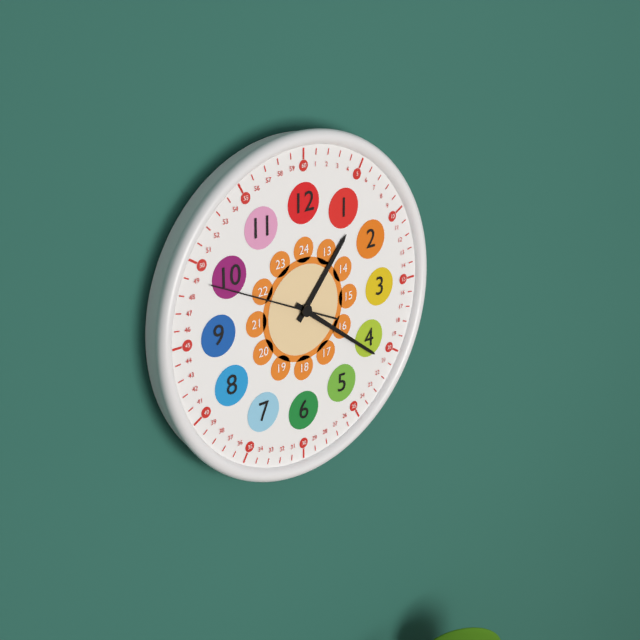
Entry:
1 h 21 min 49 s
